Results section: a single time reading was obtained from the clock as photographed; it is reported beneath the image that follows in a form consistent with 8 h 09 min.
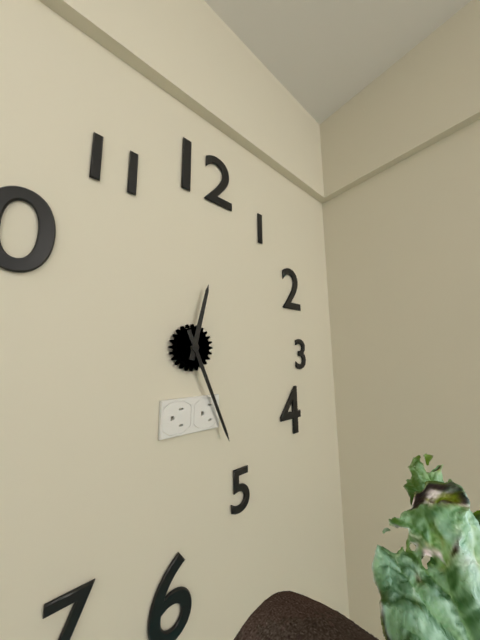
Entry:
12 h 26 min
